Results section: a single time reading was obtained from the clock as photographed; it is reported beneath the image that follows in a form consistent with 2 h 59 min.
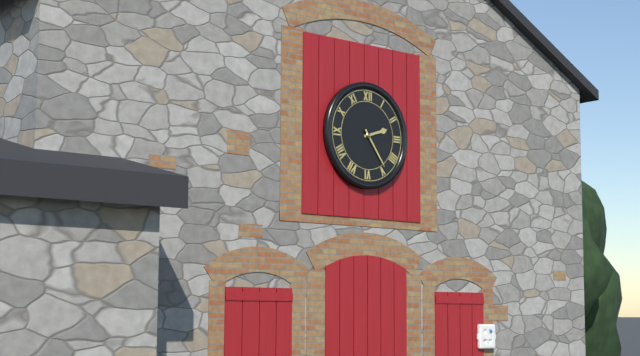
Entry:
2 h 24 min
